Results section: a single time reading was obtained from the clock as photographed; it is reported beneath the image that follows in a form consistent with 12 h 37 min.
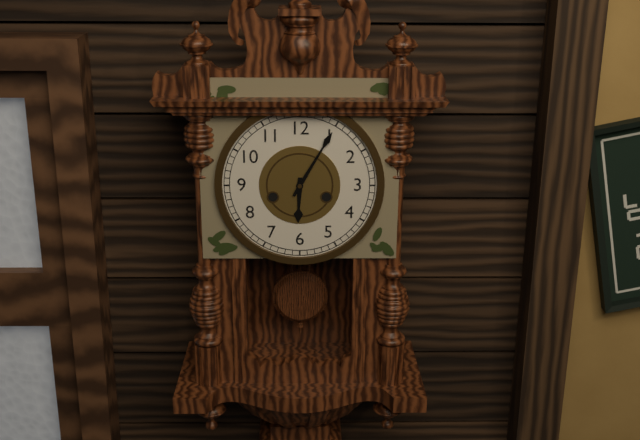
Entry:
6 h 05 min
